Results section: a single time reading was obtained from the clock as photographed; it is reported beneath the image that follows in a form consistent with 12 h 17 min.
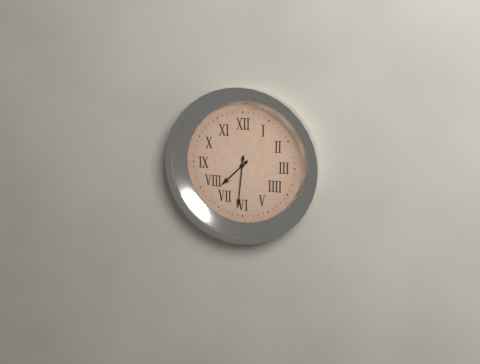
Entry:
7 h 31 min
